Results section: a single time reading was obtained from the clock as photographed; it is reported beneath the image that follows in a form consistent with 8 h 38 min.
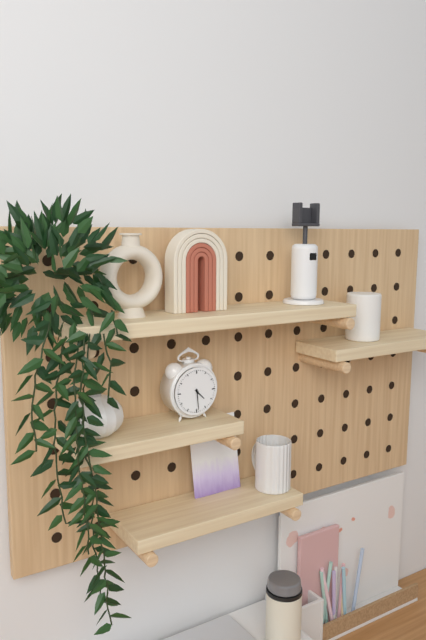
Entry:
4 h 29 min
